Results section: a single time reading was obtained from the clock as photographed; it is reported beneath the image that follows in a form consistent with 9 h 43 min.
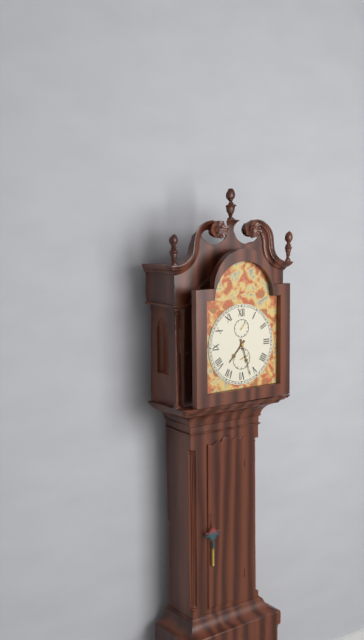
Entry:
7 h 27 min
